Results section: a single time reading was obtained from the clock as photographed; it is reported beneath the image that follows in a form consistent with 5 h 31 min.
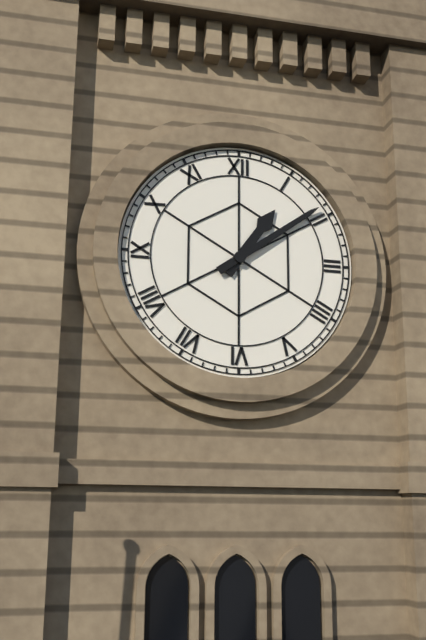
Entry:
1 h 09 min
